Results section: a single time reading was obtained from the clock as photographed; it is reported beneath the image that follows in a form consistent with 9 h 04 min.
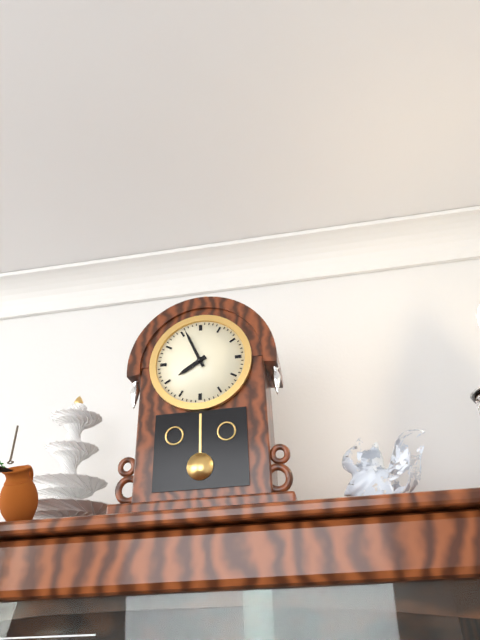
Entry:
7 h 56 min
